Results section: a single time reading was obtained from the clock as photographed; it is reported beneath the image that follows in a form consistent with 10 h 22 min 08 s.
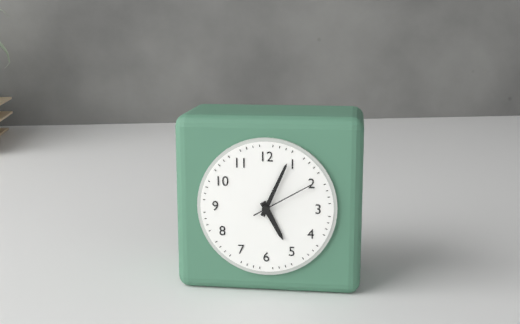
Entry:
5 h 04 min 10 s
